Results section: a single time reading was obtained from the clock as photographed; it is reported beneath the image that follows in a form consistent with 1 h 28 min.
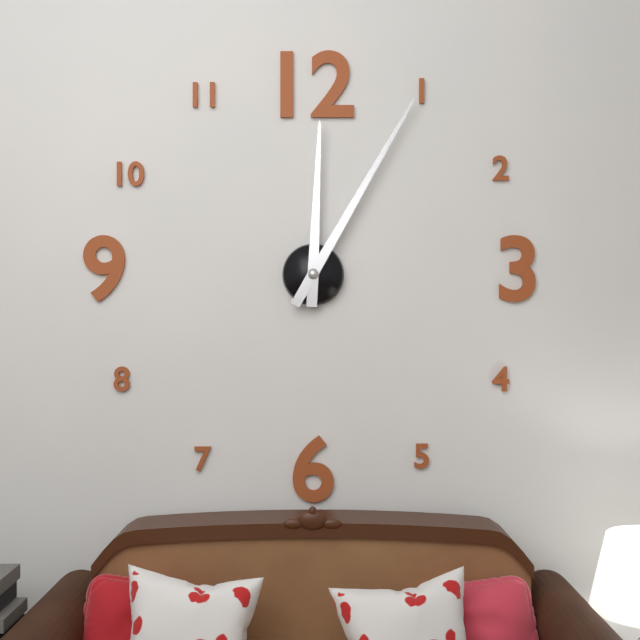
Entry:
12 h 05 min
